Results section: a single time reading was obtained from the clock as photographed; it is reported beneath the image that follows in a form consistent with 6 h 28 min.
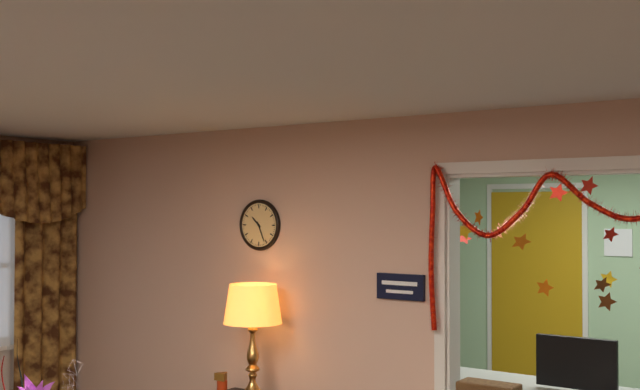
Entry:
10 h 26 min
